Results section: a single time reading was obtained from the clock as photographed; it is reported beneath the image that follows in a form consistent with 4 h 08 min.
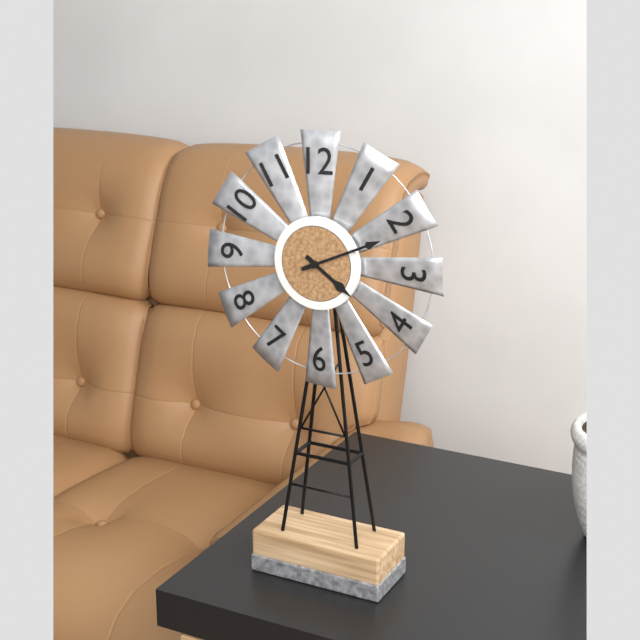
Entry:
4 h 11 min
